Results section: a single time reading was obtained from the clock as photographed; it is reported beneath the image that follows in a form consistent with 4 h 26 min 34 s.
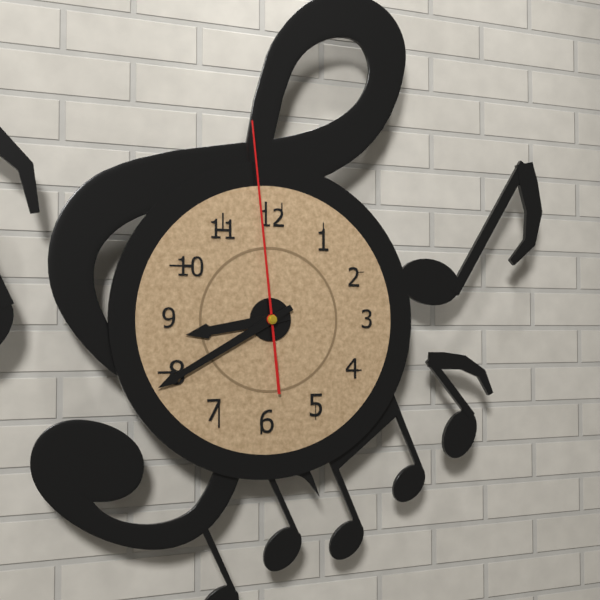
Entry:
8 h 40 min 59 s
